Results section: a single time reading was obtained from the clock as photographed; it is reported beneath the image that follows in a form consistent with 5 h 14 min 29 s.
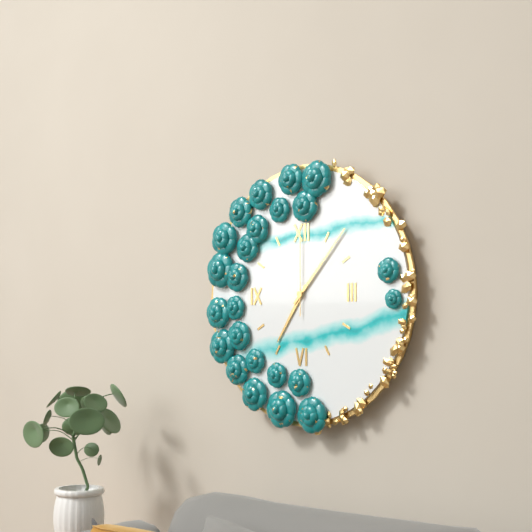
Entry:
7 h 07 min 00 s
